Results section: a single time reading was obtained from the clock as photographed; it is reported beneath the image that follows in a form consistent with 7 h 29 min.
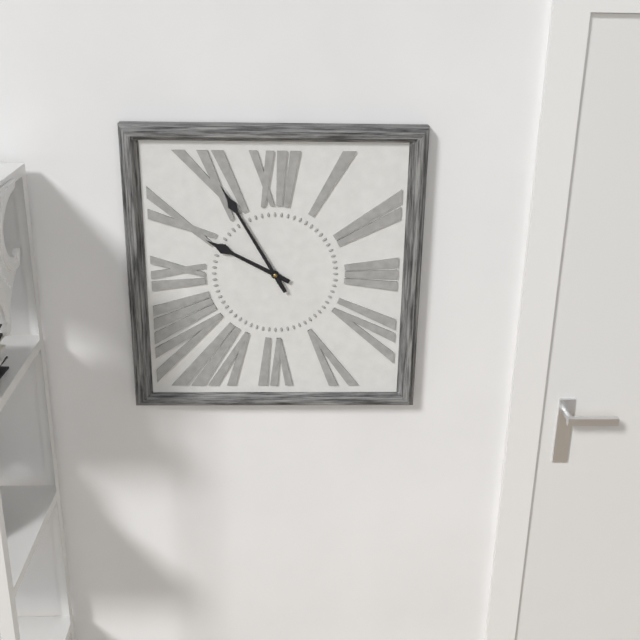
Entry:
9 h 55 min
